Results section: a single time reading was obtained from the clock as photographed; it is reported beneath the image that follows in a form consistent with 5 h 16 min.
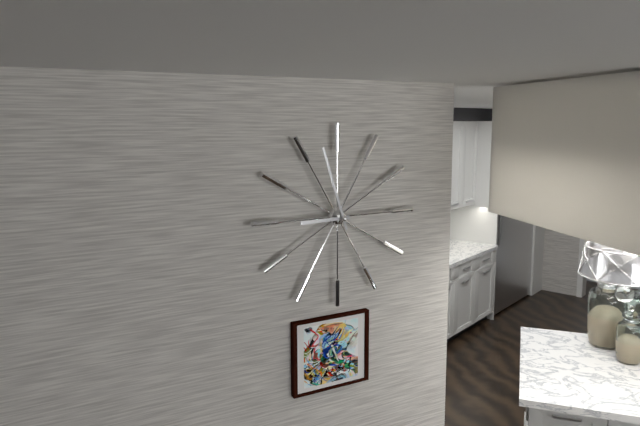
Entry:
8 h 57 min
